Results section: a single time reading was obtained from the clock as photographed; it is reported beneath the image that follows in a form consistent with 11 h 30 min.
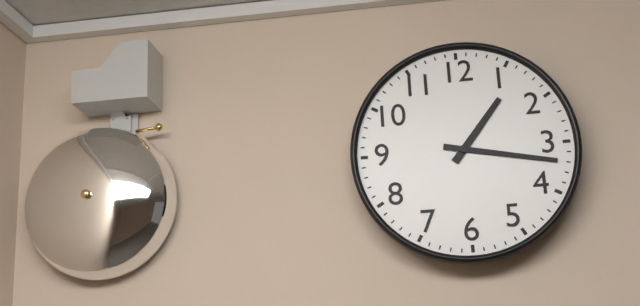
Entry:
1 h 17 min
